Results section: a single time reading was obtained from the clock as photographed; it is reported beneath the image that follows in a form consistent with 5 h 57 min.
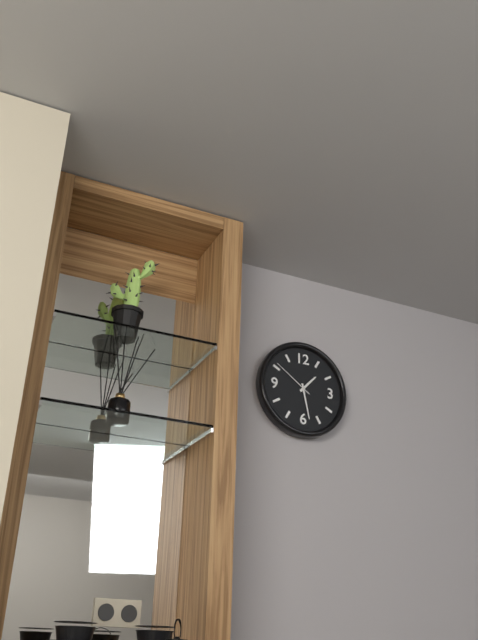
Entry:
1 h 28 min
